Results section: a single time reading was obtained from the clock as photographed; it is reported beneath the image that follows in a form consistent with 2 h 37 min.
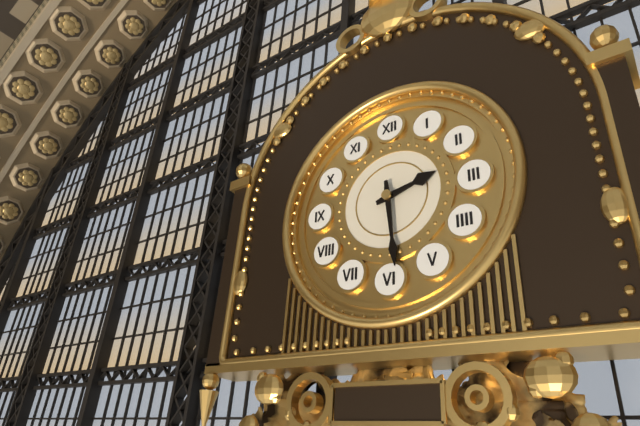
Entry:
2 h 29 min
